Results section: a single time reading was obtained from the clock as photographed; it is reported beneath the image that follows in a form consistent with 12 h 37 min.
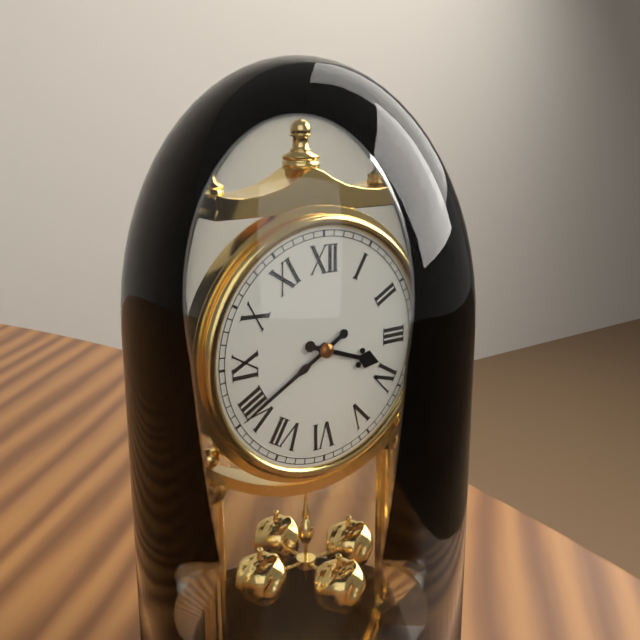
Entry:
3 h 40 min
